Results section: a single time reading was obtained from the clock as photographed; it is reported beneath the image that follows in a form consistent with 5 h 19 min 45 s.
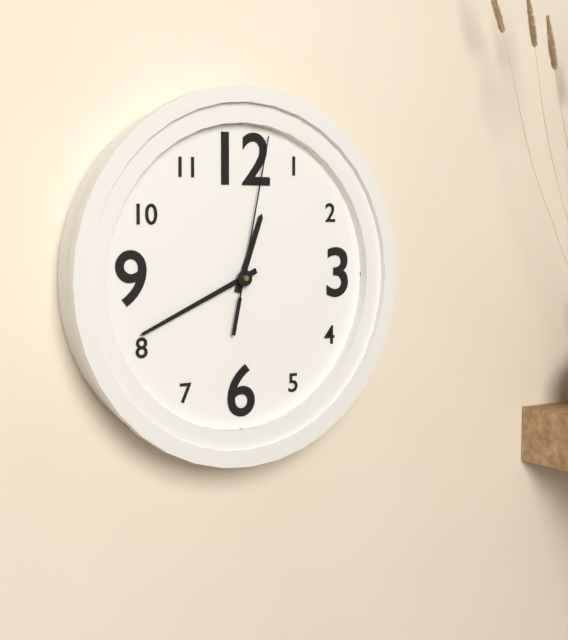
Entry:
12 h 41 min 02 s
